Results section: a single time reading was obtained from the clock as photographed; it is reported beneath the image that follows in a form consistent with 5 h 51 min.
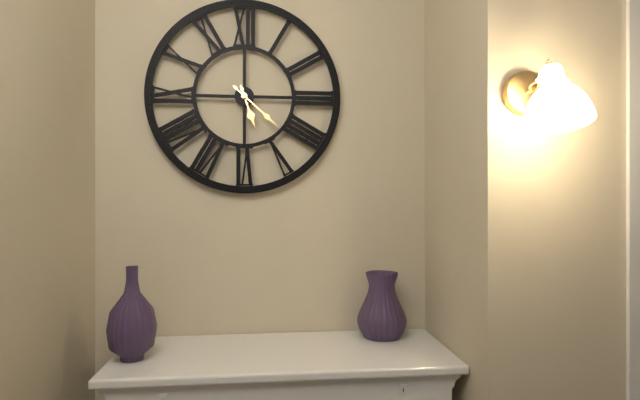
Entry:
5 h 22 min
